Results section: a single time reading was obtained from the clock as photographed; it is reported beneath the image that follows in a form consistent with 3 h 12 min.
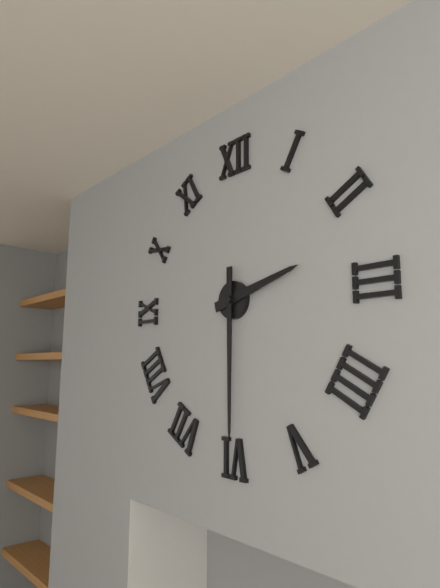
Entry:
2 h 30 min
